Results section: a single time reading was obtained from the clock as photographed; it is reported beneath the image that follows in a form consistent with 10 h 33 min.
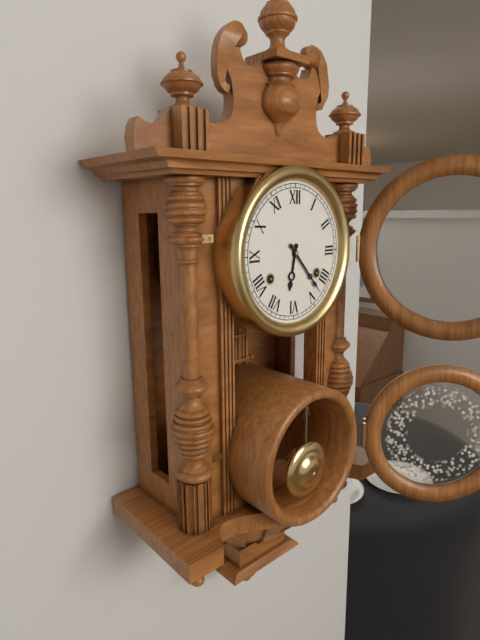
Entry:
6 h 23 min
